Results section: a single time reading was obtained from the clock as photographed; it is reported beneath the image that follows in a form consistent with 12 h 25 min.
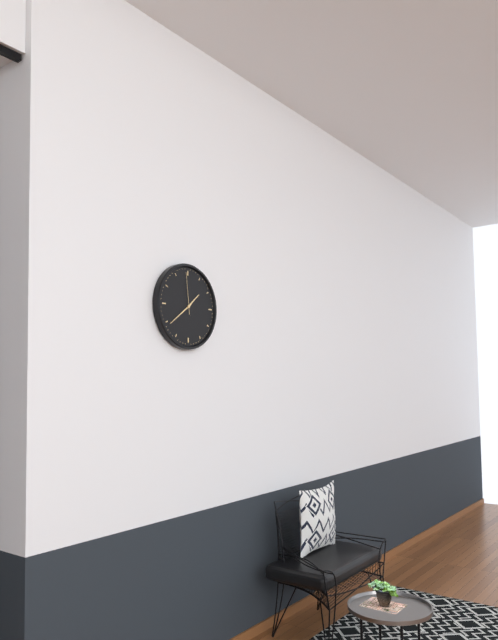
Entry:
1 h 39 min
